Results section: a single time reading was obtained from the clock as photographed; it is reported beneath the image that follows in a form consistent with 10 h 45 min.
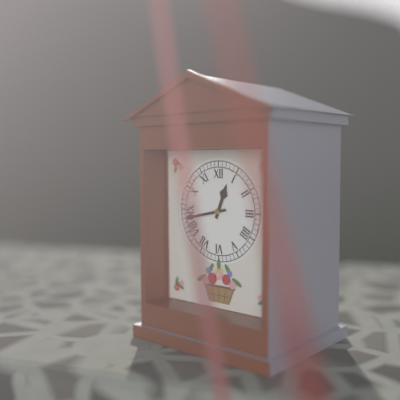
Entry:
12 h 43 min
